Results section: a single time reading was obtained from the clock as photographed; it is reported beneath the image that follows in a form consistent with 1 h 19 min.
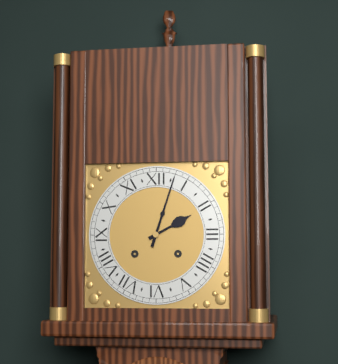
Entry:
2 h 03 min
